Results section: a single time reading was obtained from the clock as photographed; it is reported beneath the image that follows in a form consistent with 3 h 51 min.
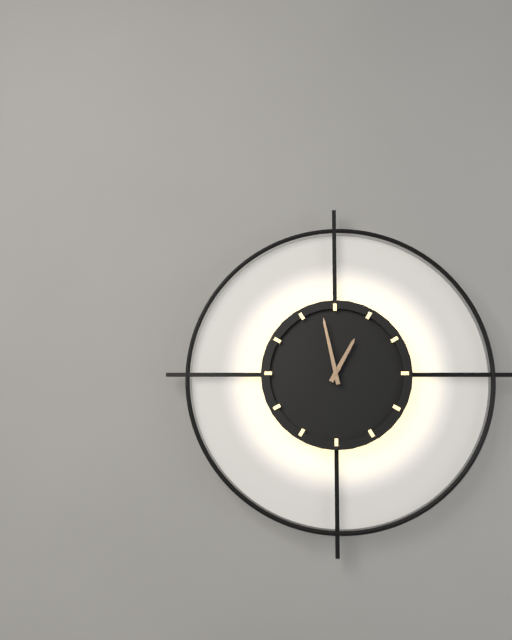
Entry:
12 h 58 min
